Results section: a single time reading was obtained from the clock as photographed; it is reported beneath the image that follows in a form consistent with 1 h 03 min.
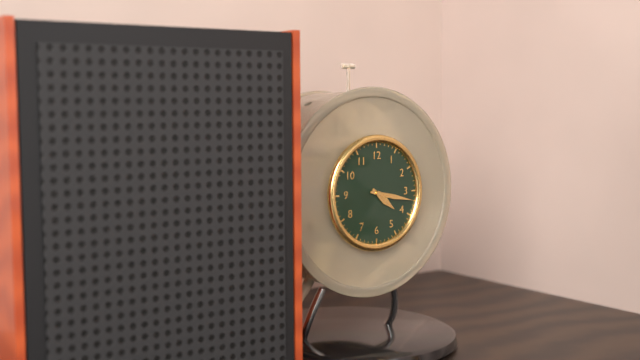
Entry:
4 h 17 min
